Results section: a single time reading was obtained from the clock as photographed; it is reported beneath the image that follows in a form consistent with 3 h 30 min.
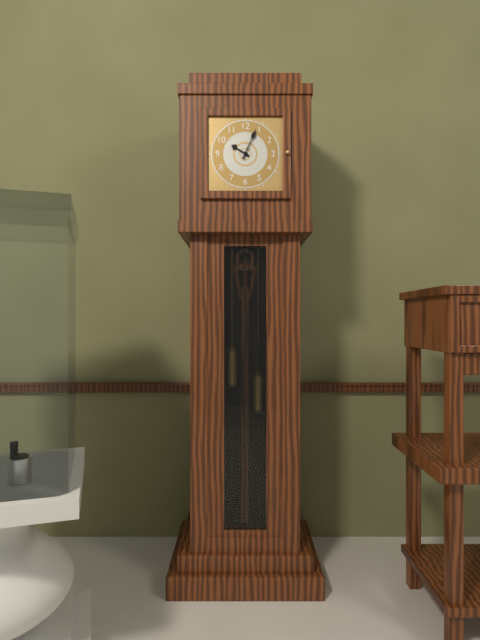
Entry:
10 h 04 min
